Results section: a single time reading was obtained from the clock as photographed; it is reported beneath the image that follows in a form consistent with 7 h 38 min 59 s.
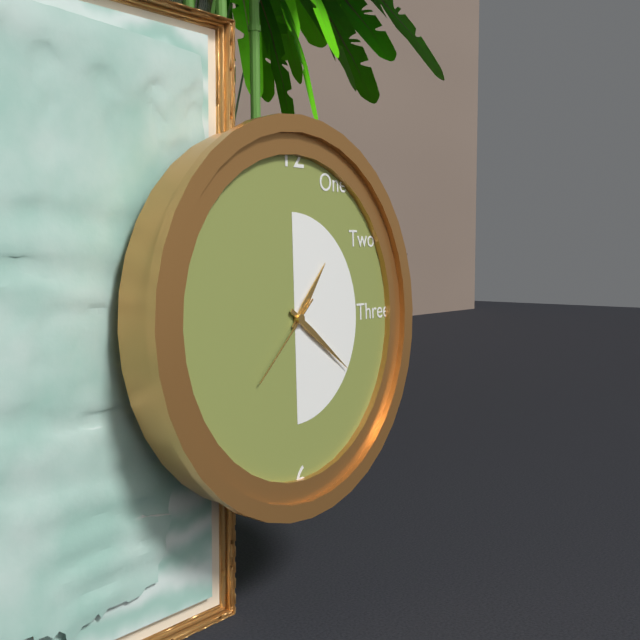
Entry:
1 h 21 min 38 s
